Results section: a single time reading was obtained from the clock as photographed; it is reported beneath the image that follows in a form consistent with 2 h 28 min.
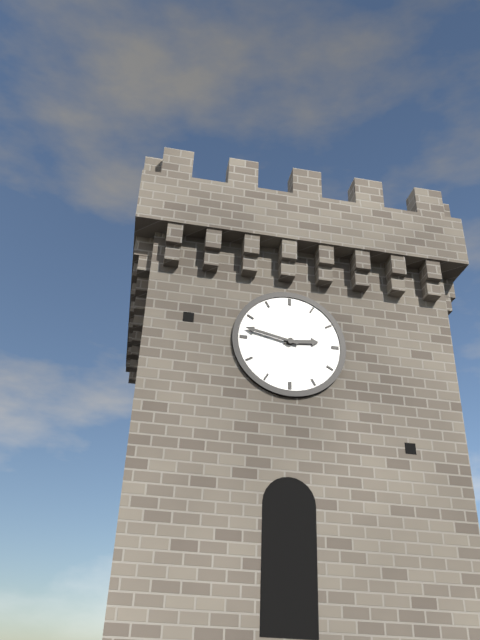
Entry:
2 h 47 min
